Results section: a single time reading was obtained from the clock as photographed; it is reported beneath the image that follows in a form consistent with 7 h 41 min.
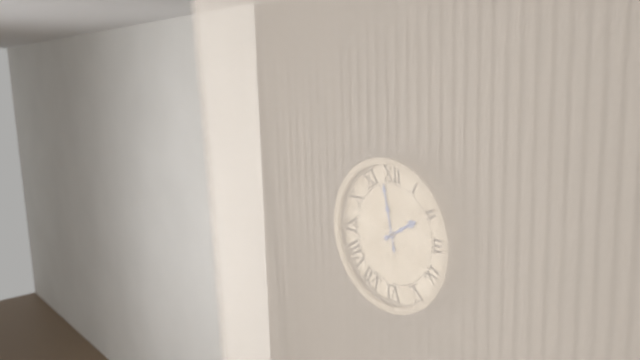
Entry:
1 h 58 min
